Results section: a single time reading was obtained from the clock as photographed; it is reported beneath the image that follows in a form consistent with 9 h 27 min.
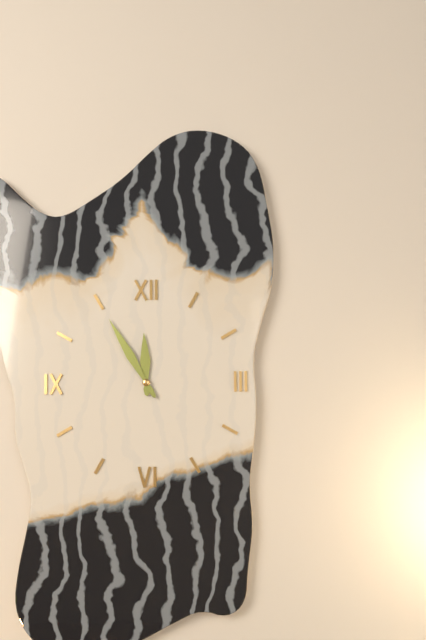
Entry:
11 h 55 min
